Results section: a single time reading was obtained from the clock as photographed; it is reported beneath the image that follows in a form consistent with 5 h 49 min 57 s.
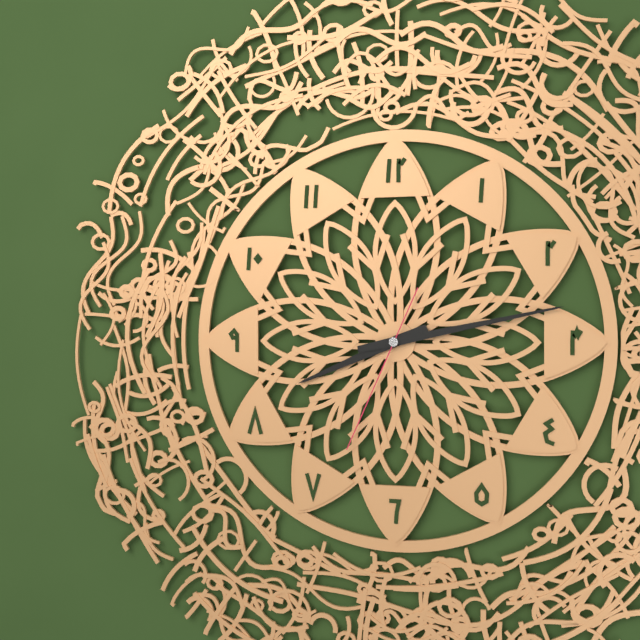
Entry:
8 h 13 min 34 s
